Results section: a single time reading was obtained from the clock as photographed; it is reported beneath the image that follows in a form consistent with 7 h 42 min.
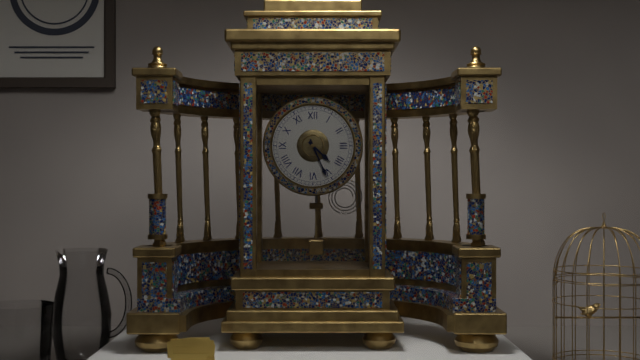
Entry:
4 h 26 min
